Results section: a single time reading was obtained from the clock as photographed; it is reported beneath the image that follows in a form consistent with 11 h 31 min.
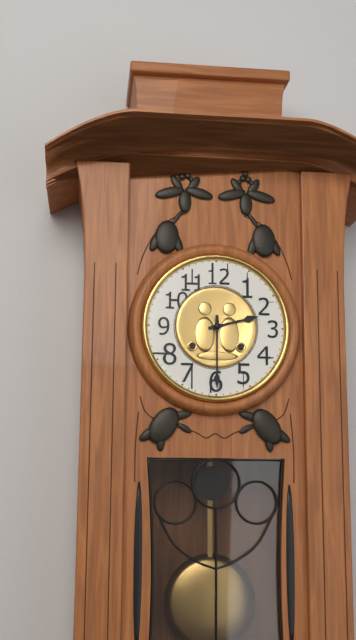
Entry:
2 h 30 min
